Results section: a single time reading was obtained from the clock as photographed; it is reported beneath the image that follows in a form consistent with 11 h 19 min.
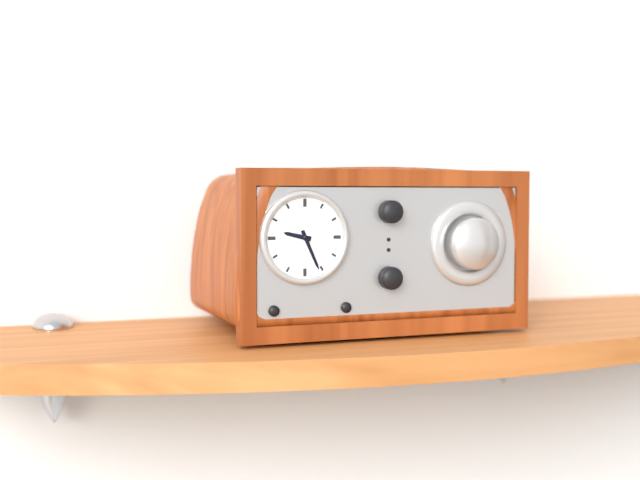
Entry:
9 h 26 min
